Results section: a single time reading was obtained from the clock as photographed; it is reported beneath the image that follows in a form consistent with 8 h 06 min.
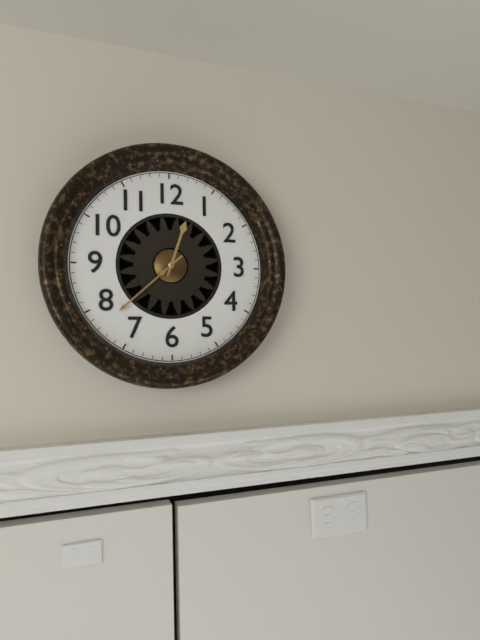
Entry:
12 h 38 min
